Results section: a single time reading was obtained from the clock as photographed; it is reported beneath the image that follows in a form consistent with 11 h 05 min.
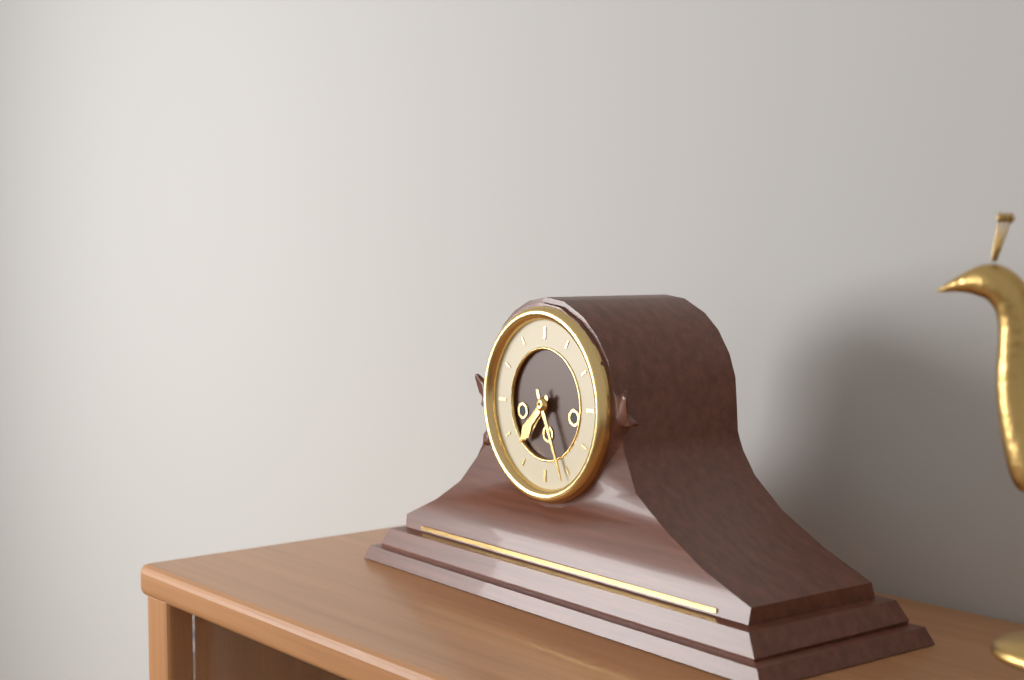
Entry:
7 h 26 min
